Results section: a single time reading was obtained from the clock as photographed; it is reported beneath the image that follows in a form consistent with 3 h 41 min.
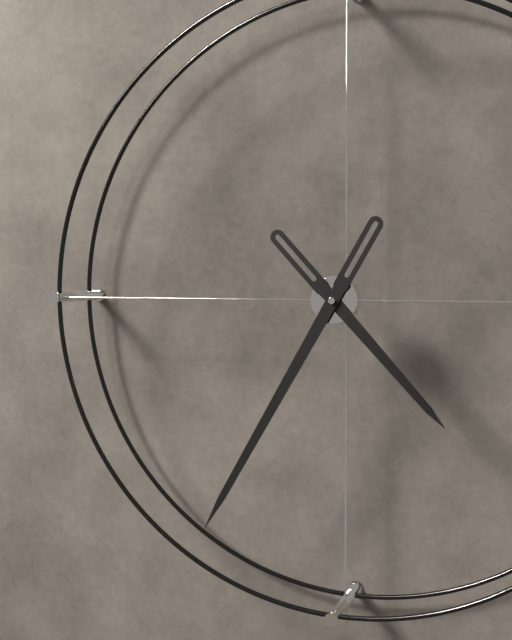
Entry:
4 h 35 min
